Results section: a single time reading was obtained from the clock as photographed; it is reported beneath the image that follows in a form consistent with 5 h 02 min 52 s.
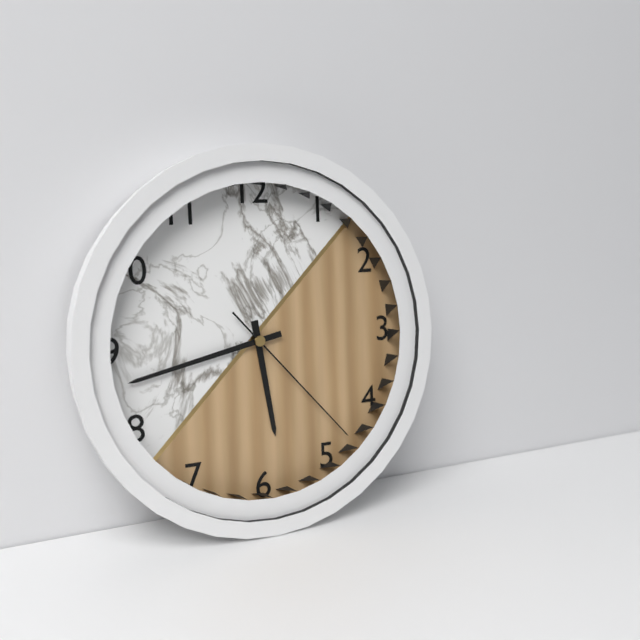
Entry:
5 h 43 min 23 s
